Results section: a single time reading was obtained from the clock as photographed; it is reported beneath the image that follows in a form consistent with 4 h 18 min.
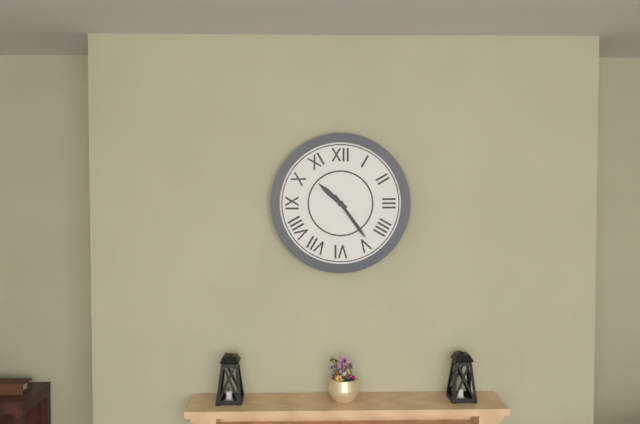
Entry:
10 h 24 min
